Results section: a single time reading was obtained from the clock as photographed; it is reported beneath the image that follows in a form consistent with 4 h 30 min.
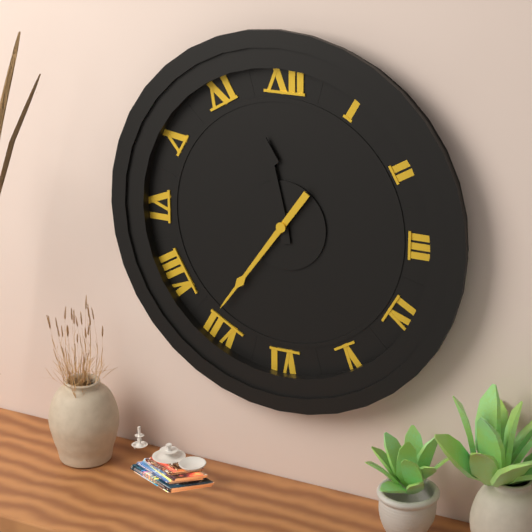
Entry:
11 h 36 min
